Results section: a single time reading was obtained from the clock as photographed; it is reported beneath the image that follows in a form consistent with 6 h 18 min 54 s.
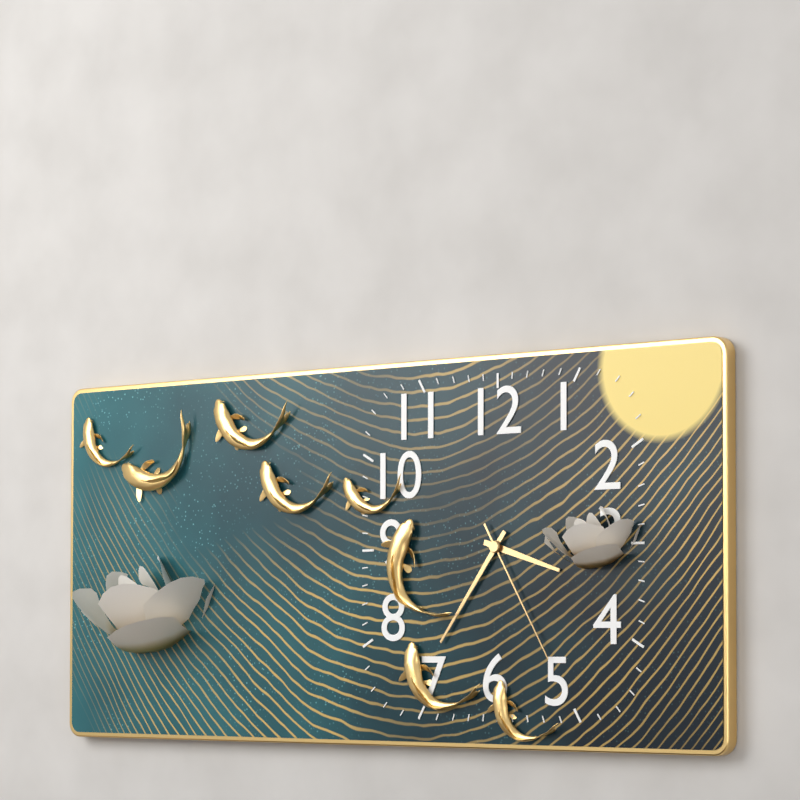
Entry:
3 h 36 min 25 s
